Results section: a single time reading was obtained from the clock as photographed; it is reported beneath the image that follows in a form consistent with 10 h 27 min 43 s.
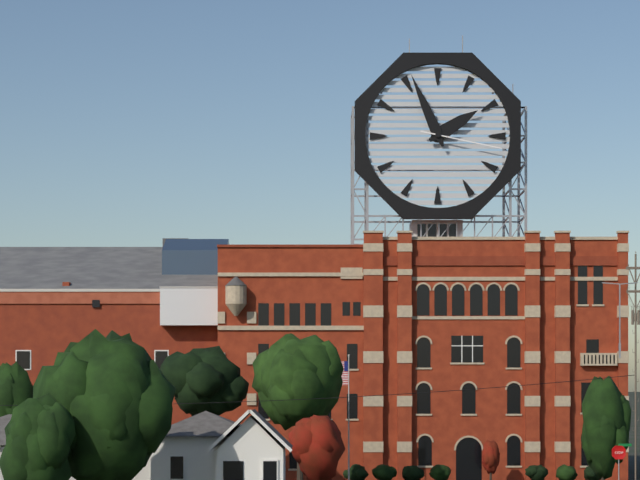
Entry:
1 h 56 min 17 s
